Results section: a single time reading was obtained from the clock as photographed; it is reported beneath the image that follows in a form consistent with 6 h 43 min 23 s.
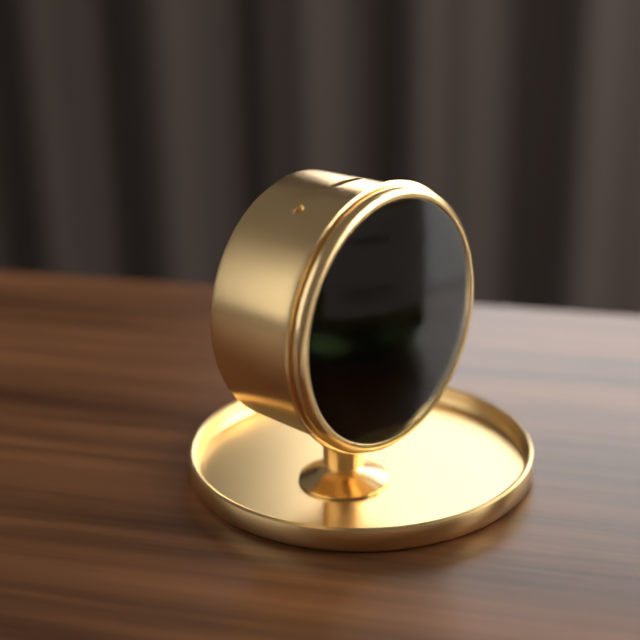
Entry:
9 h 58 min 26 s
